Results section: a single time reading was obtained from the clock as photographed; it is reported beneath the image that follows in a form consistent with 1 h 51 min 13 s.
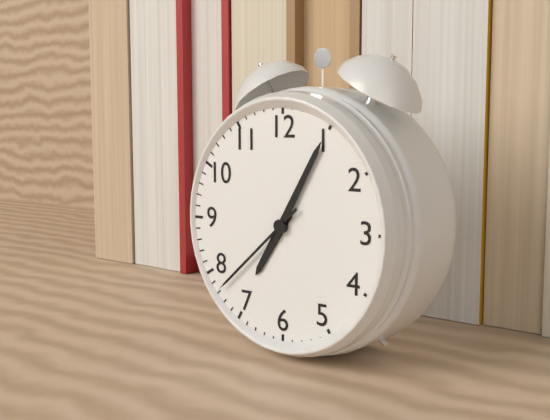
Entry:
7 h 05 min 38 s
